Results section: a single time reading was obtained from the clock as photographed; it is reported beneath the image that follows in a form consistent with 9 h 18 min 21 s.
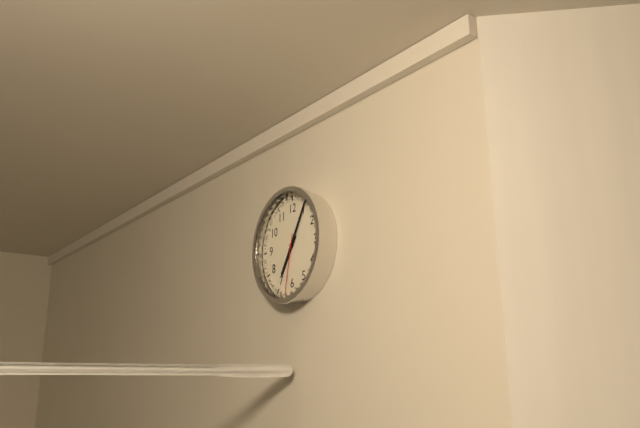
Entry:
7 h 05 min 32 s
